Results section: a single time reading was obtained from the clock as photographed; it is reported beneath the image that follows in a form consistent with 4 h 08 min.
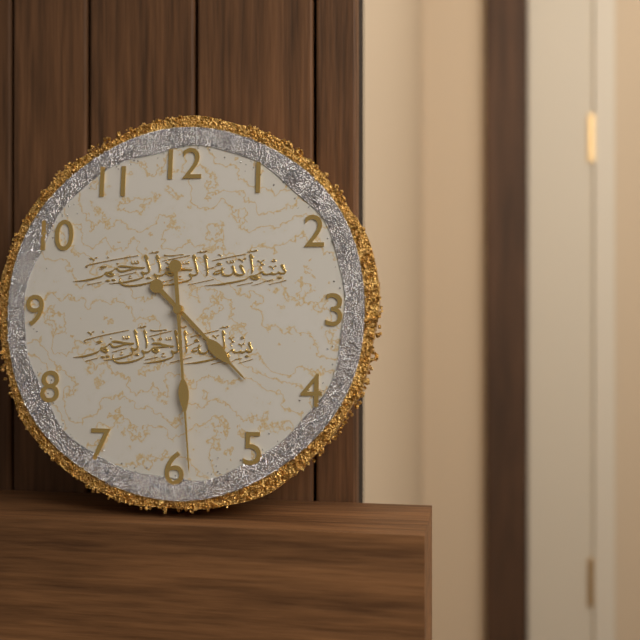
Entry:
4 h 29 min
